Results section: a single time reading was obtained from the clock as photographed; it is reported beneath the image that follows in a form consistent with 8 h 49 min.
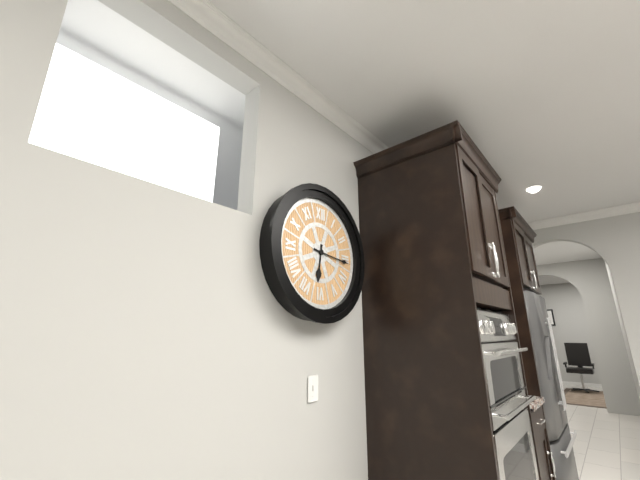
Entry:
6 h 16 min
